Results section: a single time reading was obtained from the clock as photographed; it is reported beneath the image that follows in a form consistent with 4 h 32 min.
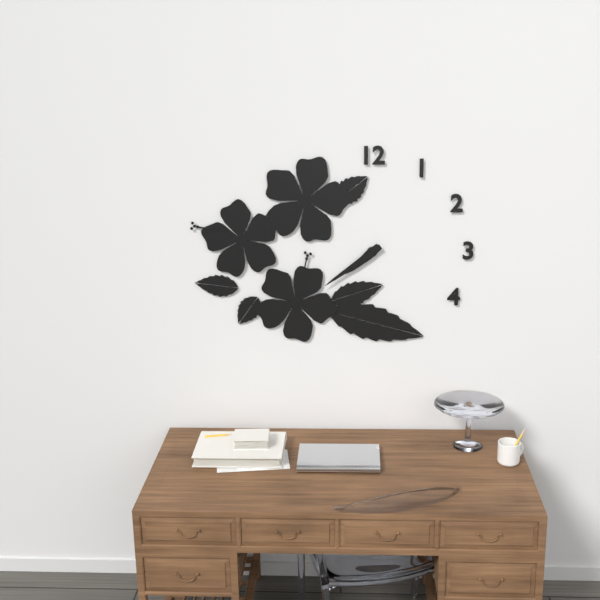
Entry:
7 h 39 min
